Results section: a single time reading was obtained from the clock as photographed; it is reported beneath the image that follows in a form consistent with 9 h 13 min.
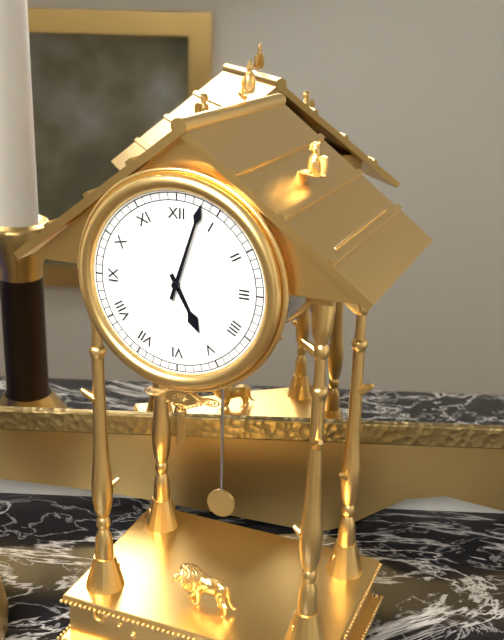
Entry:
5 h 03 min
